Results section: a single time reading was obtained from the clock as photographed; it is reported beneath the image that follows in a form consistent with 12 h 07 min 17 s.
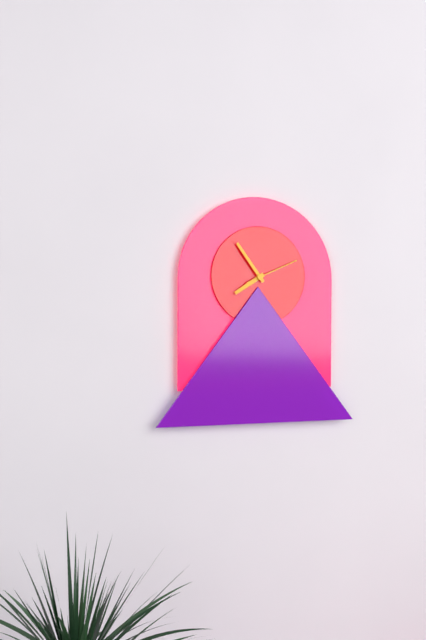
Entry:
7 h 54 min 11 s
